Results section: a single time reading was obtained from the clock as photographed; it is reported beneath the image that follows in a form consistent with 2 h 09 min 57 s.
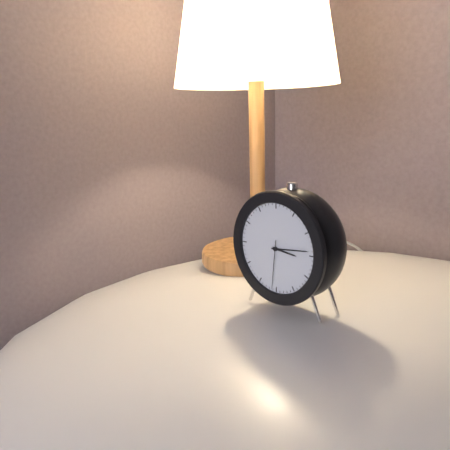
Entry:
3 h 14 min 31 s
